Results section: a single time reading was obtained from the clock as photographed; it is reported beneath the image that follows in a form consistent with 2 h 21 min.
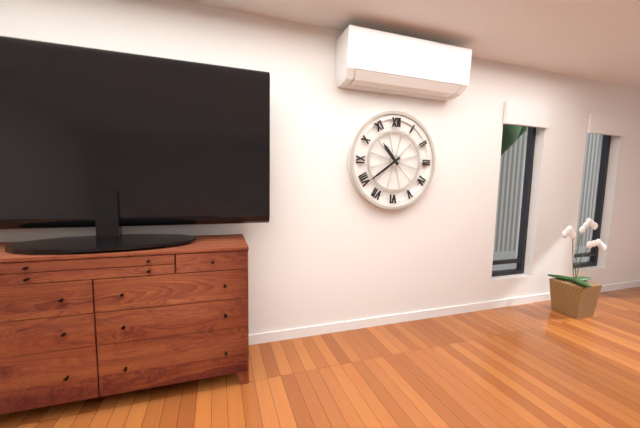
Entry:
10 h 39 min
